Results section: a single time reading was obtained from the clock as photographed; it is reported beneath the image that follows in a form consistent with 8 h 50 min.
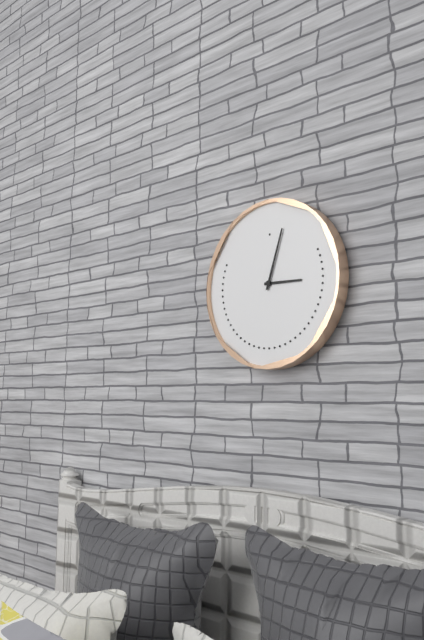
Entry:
3 h 03 min
